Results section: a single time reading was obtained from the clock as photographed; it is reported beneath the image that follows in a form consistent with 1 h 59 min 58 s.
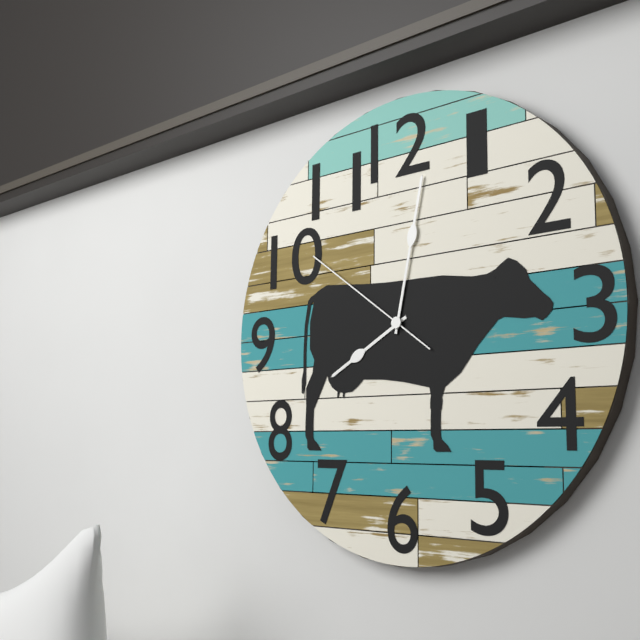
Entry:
8 h 02 min 51 s
